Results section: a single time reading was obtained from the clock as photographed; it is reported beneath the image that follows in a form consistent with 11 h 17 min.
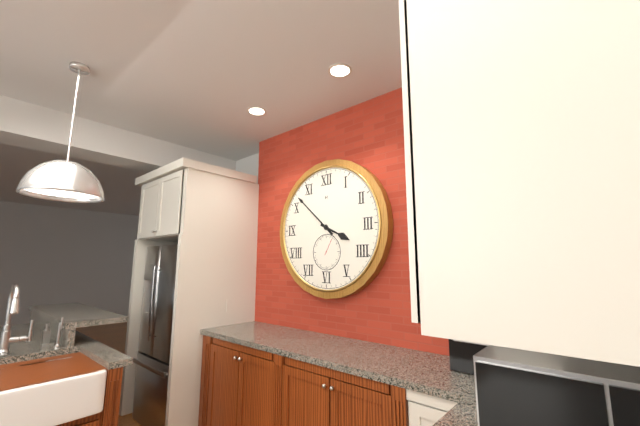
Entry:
3 h 52 min
